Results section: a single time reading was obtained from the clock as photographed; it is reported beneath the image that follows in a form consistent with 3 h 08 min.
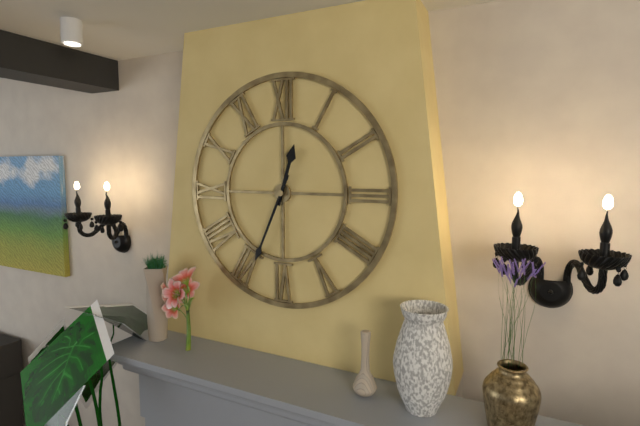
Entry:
12 h 34 min
